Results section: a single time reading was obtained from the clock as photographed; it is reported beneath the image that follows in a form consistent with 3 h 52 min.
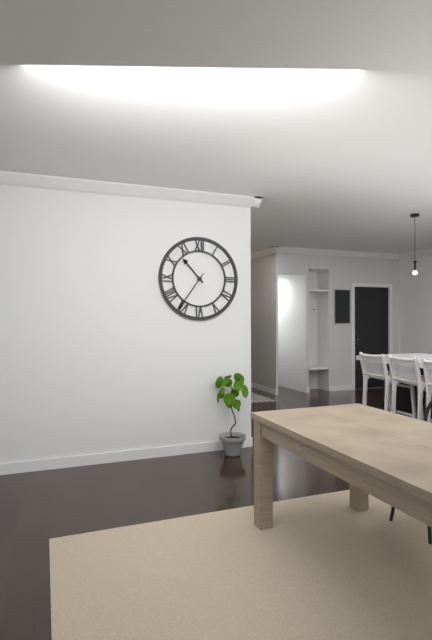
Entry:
10 h 36 min
